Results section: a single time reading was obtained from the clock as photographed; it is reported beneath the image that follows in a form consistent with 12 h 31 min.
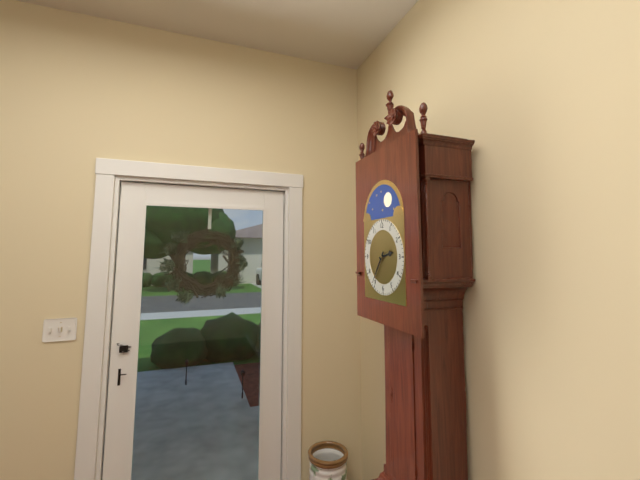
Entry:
2 h 36 min
